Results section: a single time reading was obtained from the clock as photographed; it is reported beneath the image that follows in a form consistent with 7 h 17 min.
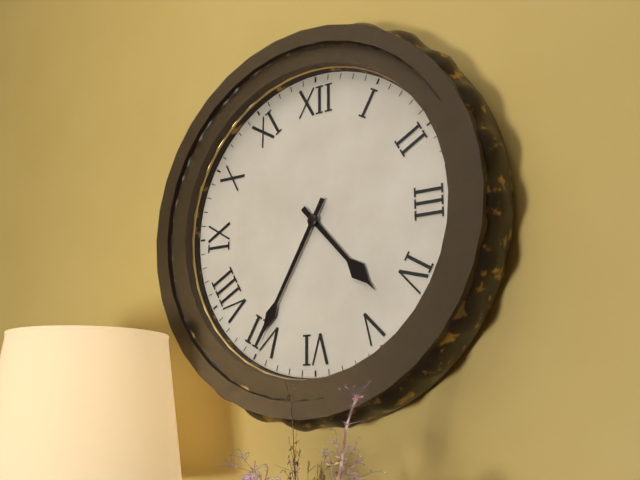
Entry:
4 h 35 min
